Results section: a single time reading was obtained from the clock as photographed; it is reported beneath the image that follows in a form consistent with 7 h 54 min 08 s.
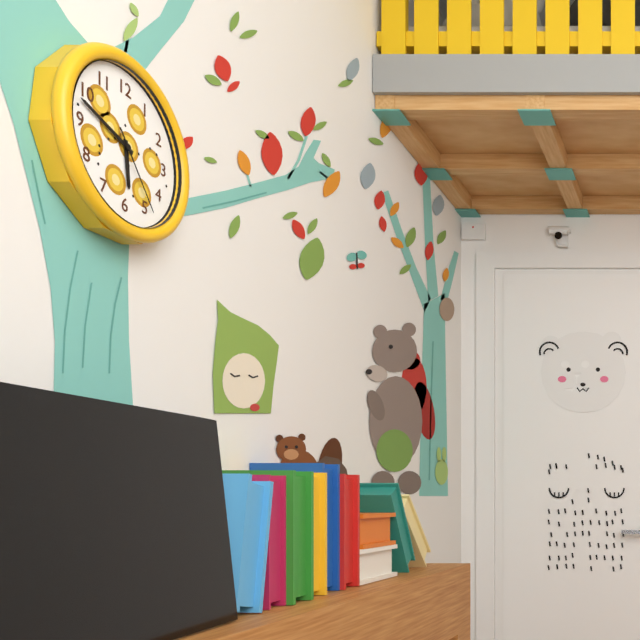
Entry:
5 h 48 min 24 s
